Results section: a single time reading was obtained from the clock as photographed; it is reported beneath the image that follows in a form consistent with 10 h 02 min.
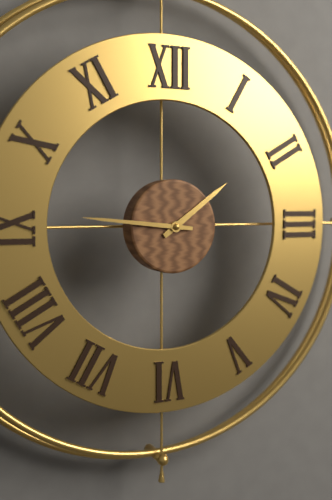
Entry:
1 h 46 min
